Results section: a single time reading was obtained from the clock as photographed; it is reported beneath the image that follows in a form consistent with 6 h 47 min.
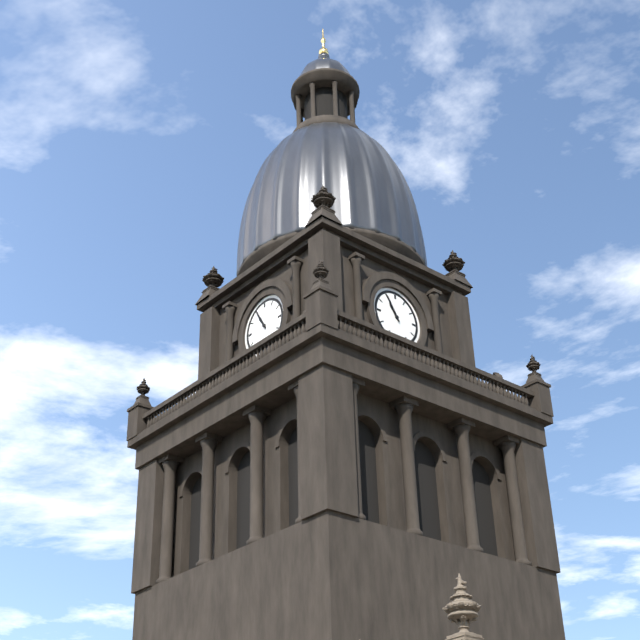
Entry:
10 h 55 min
